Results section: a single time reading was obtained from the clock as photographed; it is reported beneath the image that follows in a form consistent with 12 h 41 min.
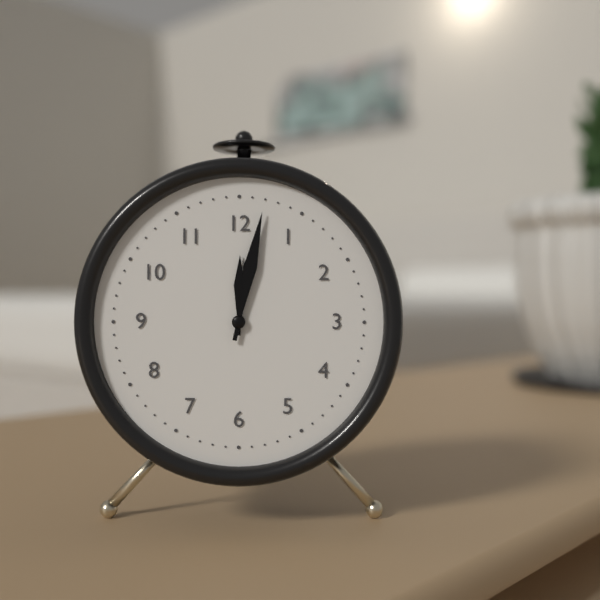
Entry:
12 h 02 min
